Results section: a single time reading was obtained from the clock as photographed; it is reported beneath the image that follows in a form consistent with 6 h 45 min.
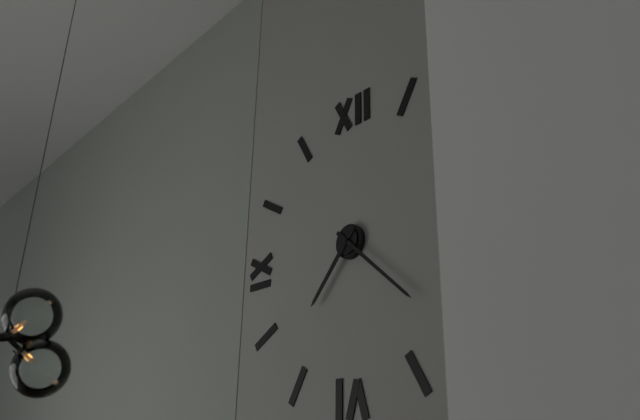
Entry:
7 h 22 min
